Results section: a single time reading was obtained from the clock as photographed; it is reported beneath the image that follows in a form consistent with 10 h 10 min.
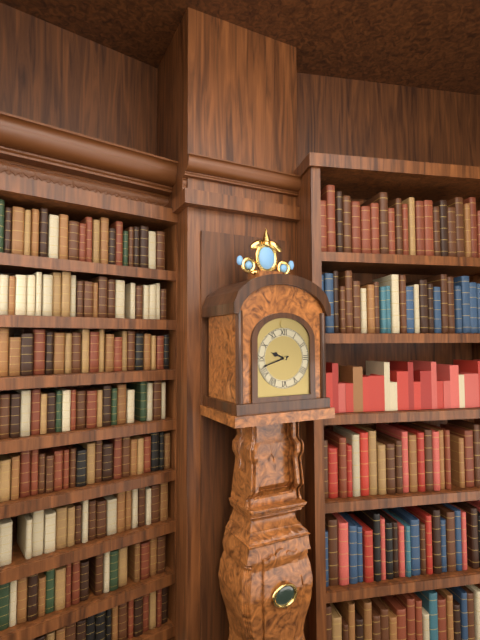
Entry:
9 h 42 min
